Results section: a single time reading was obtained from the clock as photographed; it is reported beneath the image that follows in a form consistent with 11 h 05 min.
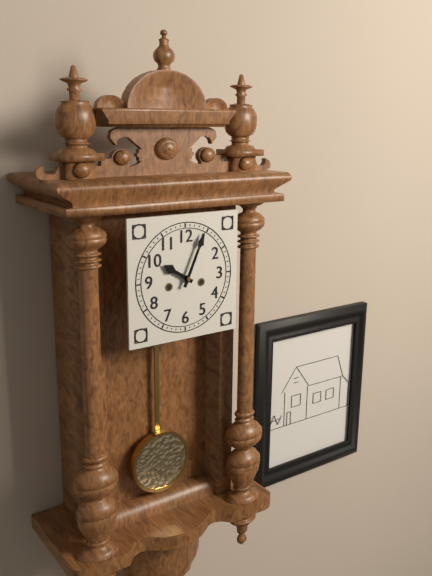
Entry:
10 h 04 min
